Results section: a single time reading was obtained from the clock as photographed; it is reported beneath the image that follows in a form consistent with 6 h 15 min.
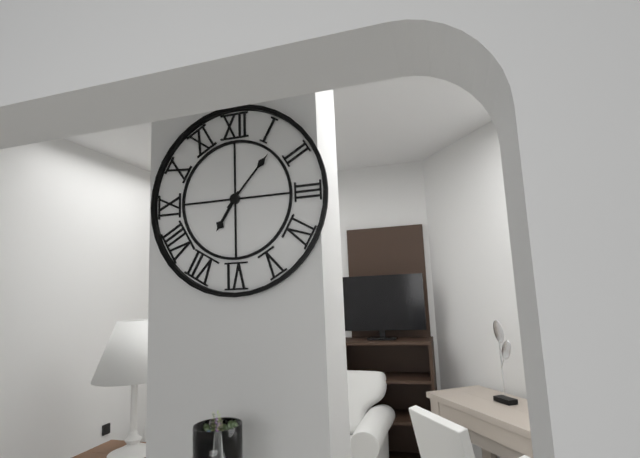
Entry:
7 h 07 min
